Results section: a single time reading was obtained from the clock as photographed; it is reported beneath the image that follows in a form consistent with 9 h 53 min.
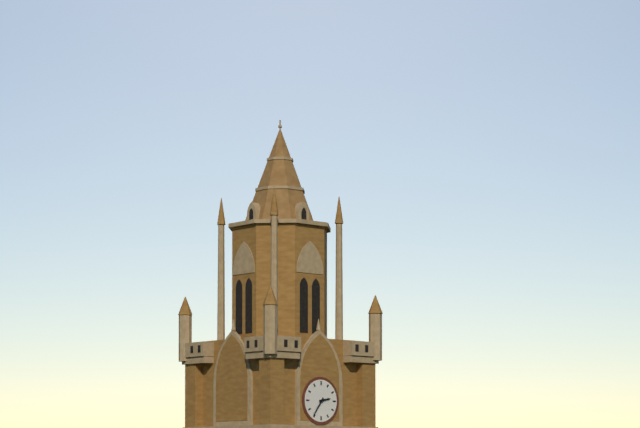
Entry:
2 h 36 min
